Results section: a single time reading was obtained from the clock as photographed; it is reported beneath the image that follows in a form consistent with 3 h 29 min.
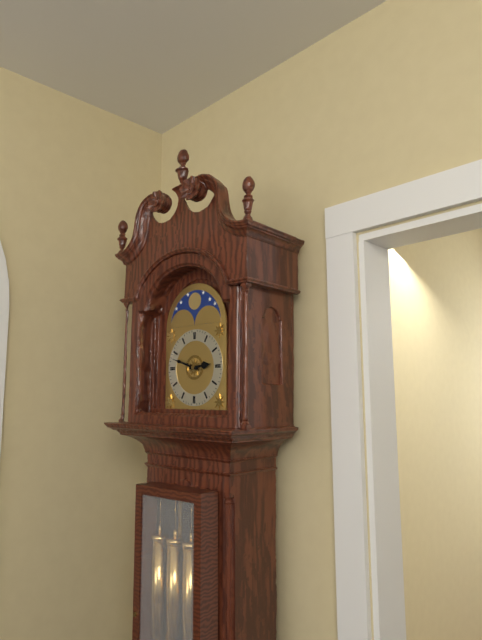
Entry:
2 h 48 min
